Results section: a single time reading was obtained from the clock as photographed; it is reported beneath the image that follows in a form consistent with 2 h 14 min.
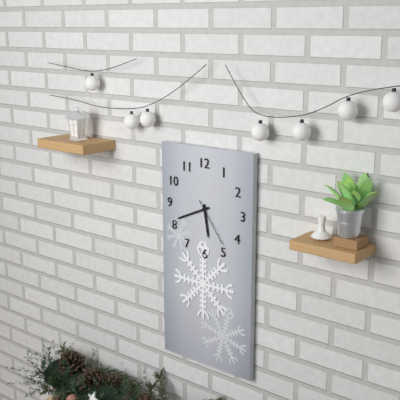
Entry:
5 h 41 min
